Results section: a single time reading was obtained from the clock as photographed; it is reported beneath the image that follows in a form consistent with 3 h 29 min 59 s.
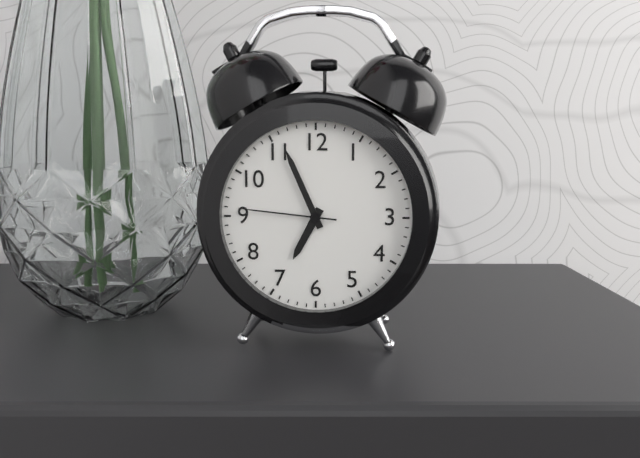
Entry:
6 h 56 min 46 s
